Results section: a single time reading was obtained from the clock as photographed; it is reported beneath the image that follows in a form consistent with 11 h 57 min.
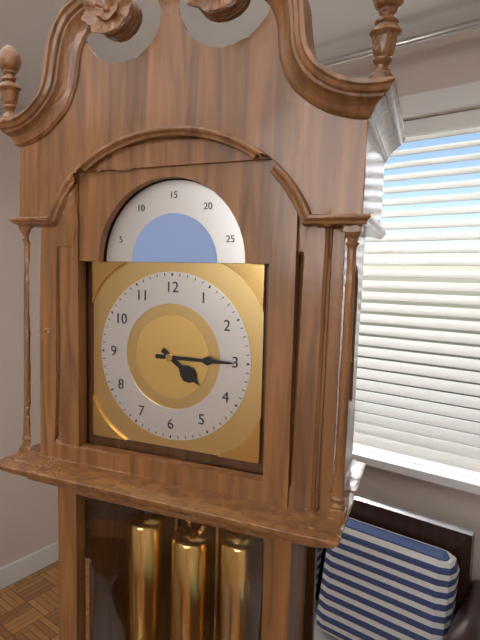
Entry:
4 h 15 min
